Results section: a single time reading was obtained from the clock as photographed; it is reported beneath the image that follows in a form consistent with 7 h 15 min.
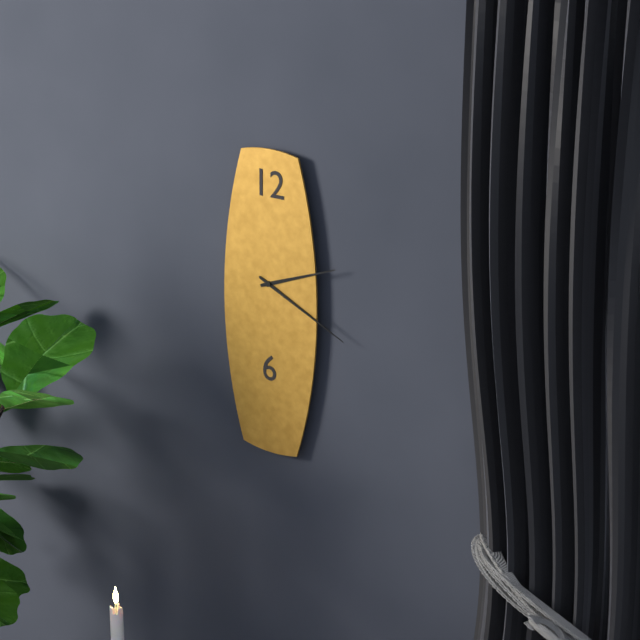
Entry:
2 h 19 min
